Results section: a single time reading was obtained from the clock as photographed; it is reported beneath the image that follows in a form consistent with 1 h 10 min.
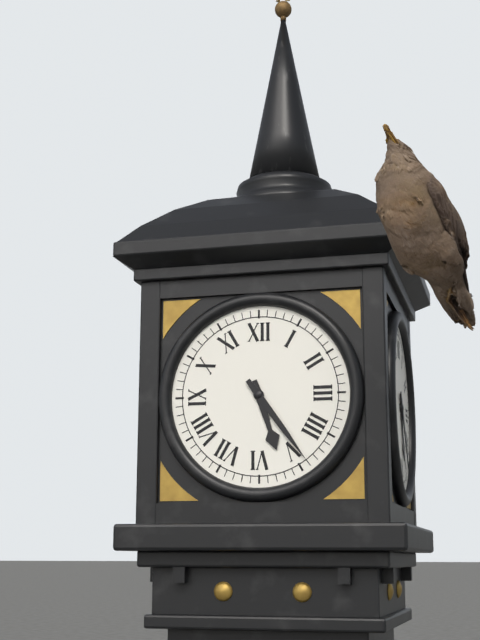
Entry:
5 h 24 min
